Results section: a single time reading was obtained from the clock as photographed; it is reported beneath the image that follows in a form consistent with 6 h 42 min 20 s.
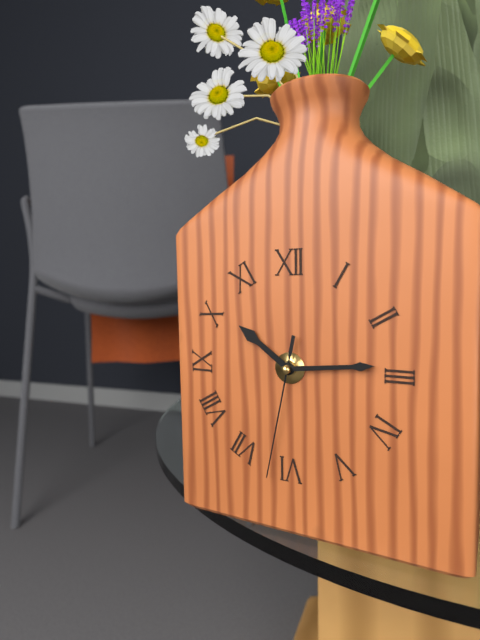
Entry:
10 h 14 min 32 s
